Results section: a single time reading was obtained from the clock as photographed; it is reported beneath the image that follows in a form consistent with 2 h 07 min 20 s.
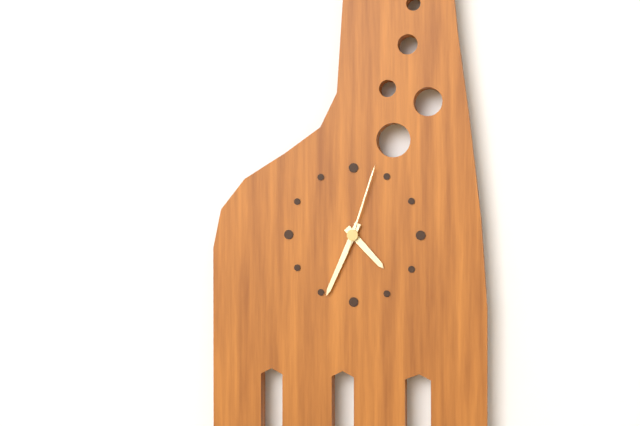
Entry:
4 h 34 min 03 s
